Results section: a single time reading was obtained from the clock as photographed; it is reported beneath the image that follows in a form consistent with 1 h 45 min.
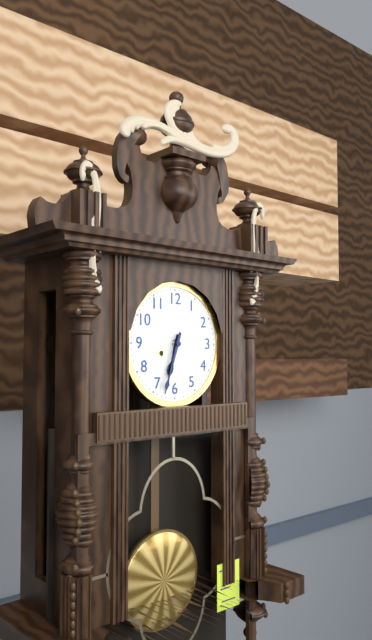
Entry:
6 h 33 min
